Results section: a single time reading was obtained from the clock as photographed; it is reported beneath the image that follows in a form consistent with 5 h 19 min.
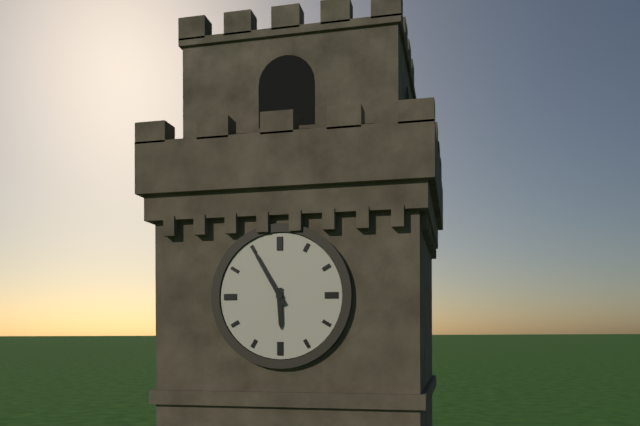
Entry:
5 h 55 min
